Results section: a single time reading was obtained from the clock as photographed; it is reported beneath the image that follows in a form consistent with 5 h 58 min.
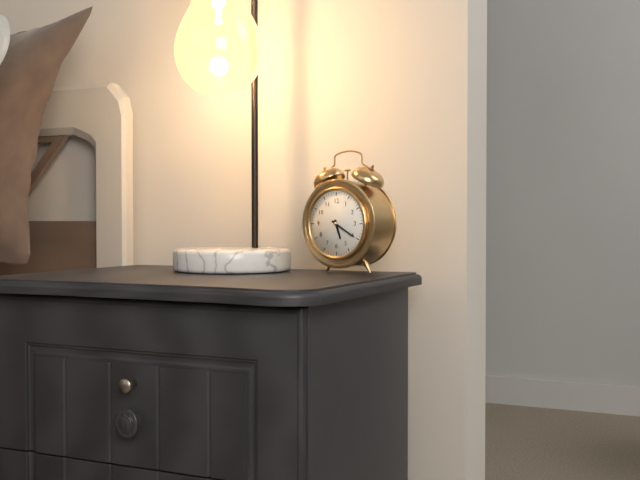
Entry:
5 h 20 min
